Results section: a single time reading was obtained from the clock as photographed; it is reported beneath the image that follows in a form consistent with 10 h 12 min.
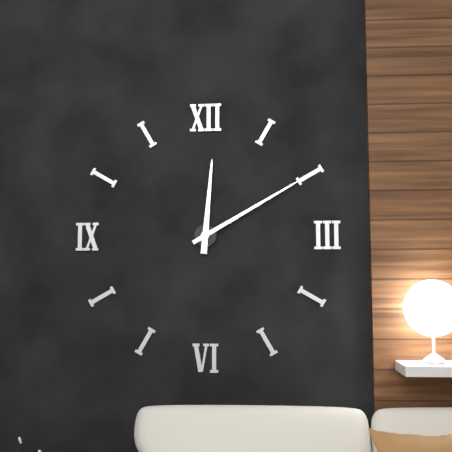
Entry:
12 h 10 min
